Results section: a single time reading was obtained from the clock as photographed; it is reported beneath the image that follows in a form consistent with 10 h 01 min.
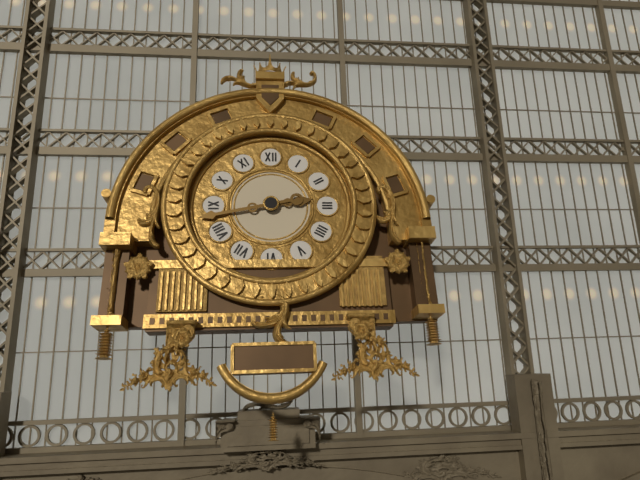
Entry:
2 h 43 min
